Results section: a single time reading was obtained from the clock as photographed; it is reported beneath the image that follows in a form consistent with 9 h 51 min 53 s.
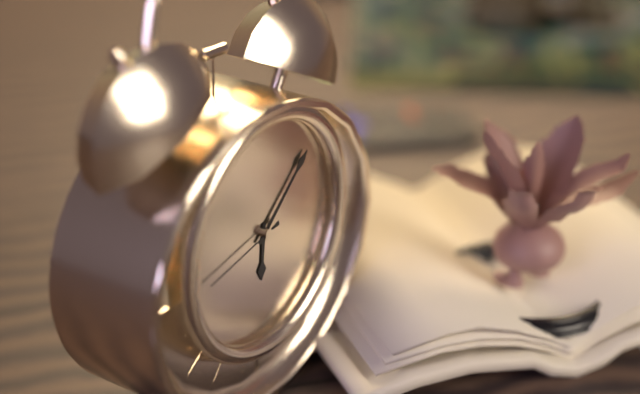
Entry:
6 h 08 min 43 s
